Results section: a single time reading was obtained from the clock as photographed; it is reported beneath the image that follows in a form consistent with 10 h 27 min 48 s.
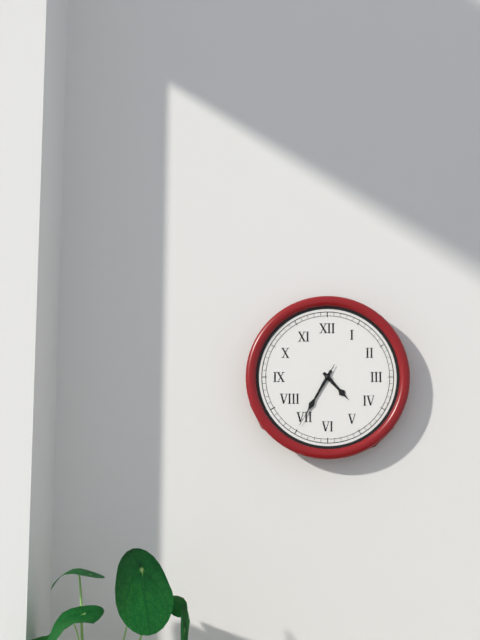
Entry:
4 h 35 min 35 s
